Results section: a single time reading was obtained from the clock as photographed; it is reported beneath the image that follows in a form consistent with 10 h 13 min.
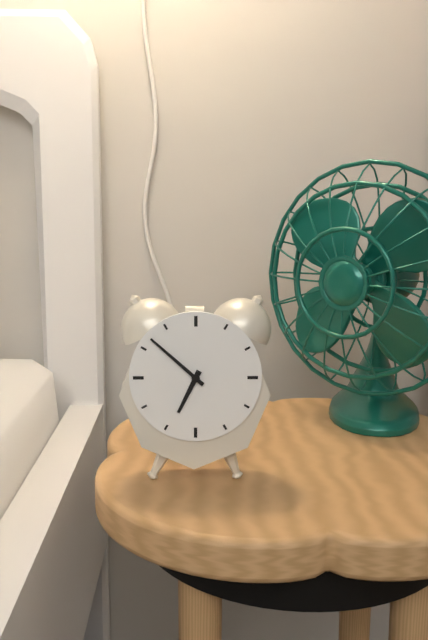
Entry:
6 h 52 min
